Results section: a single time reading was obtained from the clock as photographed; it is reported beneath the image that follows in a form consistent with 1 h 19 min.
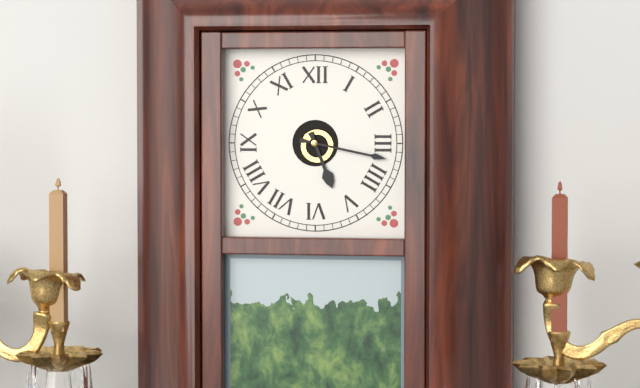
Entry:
5 h 17 min
